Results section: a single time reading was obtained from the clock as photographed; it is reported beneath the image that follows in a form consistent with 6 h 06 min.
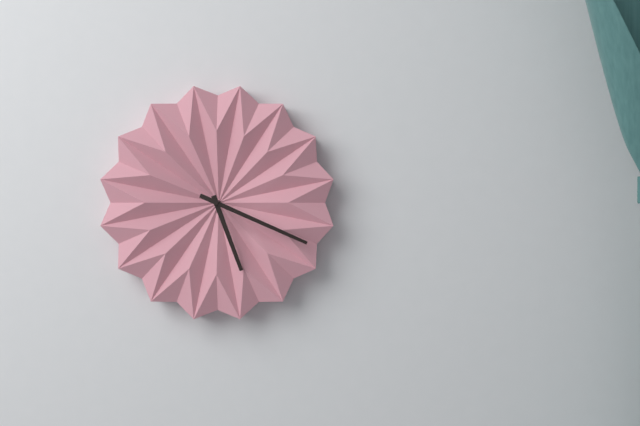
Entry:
5 h 19 min
